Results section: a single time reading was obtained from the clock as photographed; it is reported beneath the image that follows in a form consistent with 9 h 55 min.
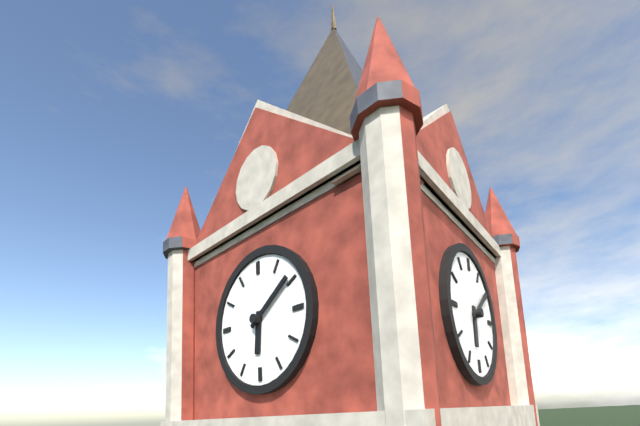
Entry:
6 h 09 min
